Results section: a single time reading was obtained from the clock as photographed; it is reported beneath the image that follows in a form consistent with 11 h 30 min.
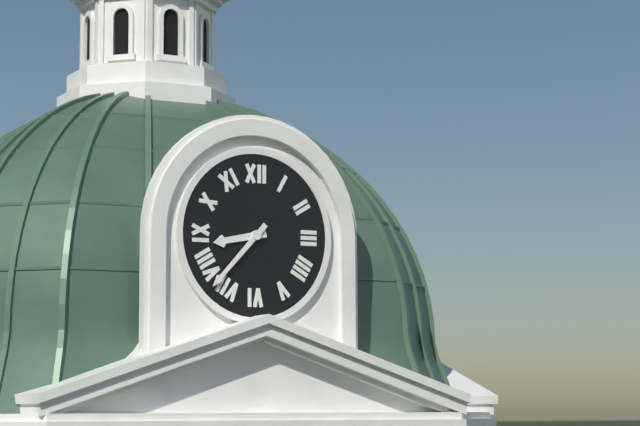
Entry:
8 h 37 min
